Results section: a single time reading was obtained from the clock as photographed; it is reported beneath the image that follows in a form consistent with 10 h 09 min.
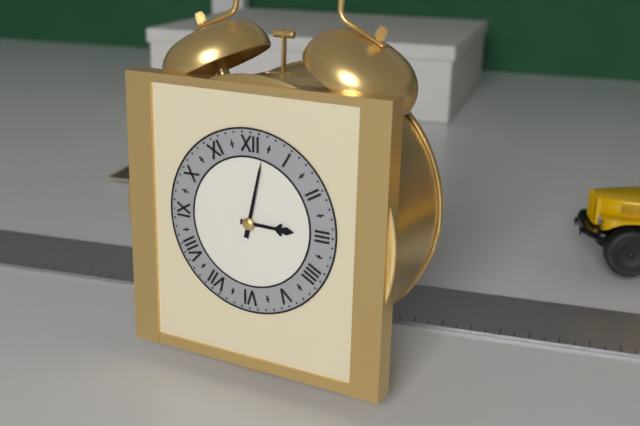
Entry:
3 h 02 min
